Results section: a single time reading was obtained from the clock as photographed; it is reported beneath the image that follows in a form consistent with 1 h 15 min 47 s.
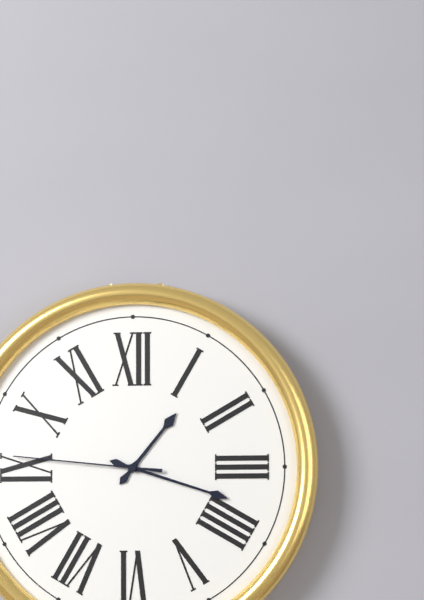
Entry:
1 h 18 min 46 s
